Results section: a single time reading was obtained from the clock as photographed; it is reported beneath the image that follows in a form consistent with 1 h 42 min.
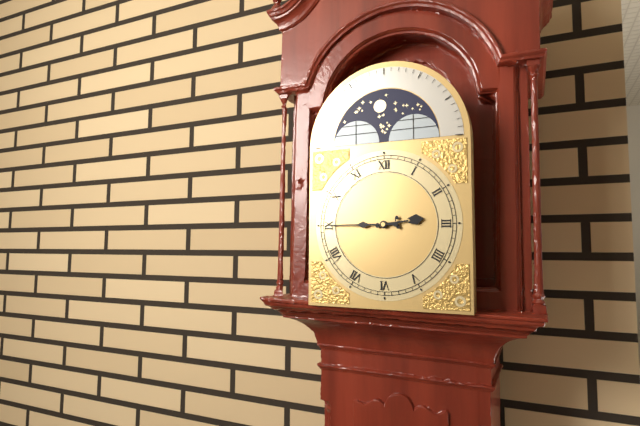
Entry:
2 h 45 min
